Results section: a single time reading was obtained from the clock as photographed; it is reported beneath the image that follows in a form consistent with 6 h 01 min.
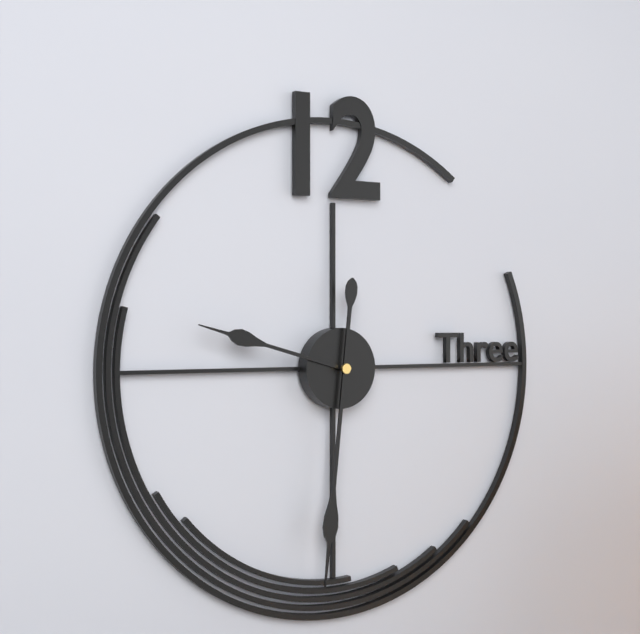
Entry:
9 h 31 min
